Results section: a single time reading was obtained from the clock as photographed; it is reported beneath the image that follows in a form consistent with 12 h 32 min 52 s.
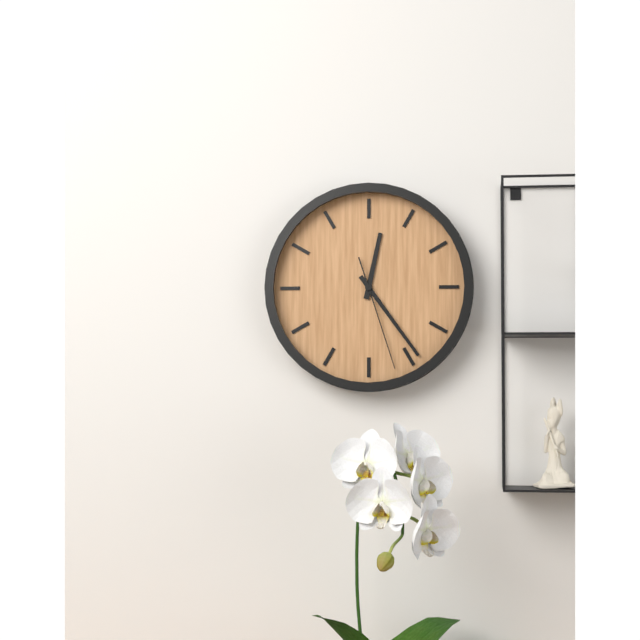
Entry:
12 h 24 min 27 s
